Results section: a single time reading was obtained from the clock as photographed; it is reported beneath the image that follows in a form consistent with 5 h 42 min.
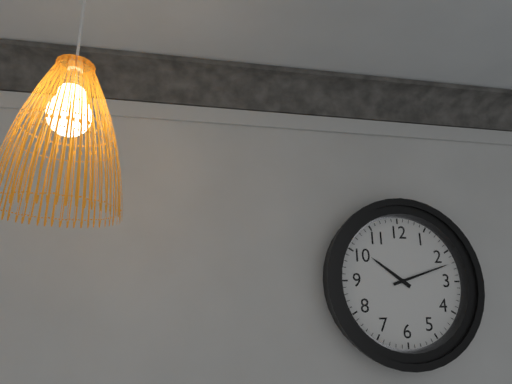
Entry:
10 h 12 min
